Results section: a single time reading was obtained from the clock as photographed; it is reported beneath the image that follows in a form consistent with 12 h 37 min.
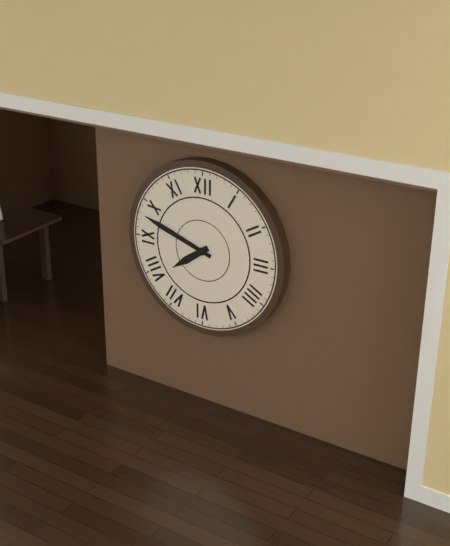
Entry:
7 h 48 min
